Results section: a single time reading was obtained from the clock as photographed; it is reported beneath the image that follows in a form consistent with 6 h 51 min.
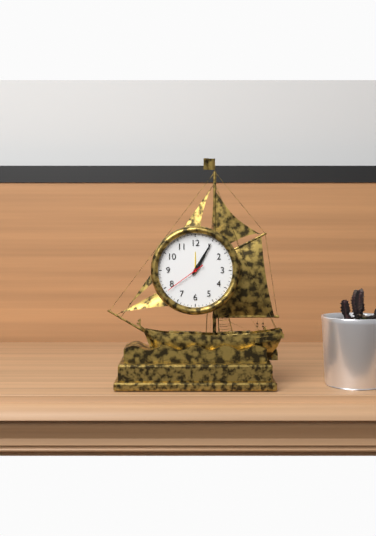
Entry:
1 h 05 min
